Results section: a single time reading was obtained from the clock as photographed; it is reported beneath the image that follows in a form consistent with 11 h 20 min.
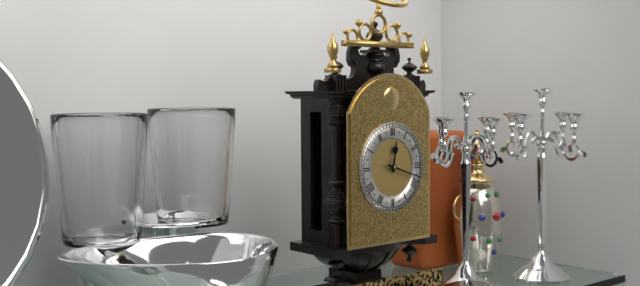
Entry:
12 h 18 min
